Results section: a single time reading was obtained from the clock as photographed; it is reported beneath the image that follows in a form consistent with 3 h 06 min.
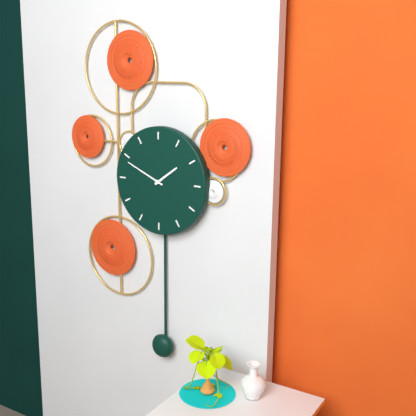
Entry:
1 h 49 min
